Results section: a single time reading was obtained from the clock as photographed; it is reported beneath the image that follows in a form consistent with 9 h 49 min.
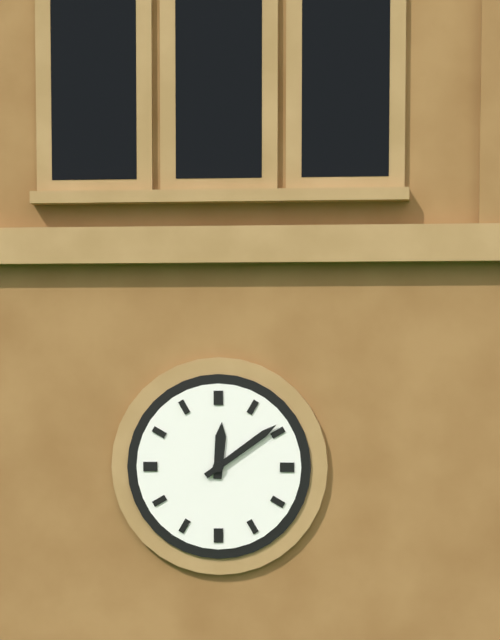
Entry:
12 h 09 min
